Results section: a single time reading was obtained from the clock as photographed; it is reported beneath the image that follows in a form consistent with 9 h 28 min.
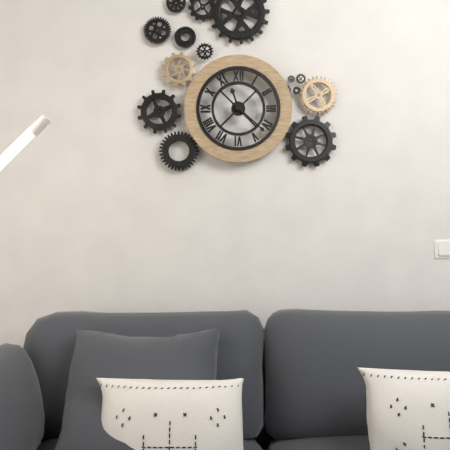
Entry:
11 h 22 min
